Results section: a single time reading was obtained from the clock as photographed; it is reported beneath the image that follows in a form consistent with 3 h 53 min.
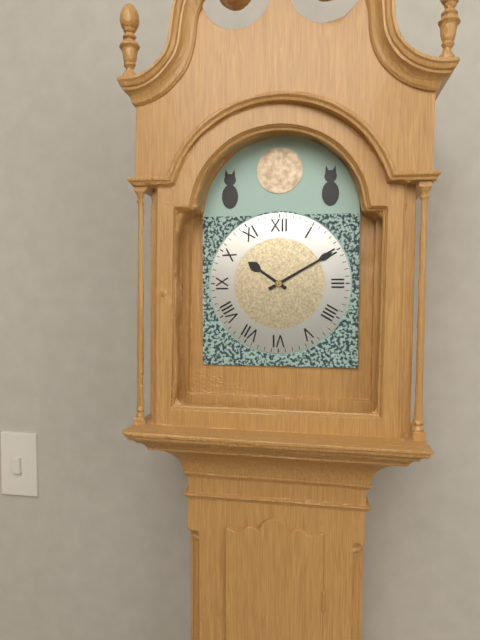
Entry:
10 h 10 min
